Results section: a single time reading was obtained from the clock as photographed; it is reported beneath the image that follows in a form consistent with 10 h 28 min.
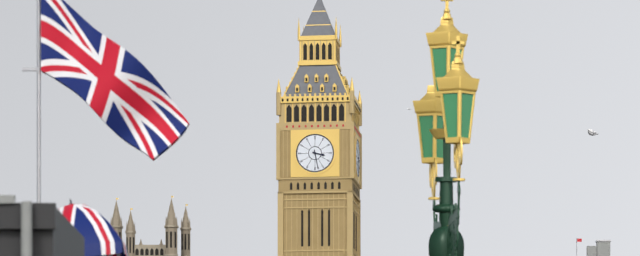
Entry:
3 h 28 min
